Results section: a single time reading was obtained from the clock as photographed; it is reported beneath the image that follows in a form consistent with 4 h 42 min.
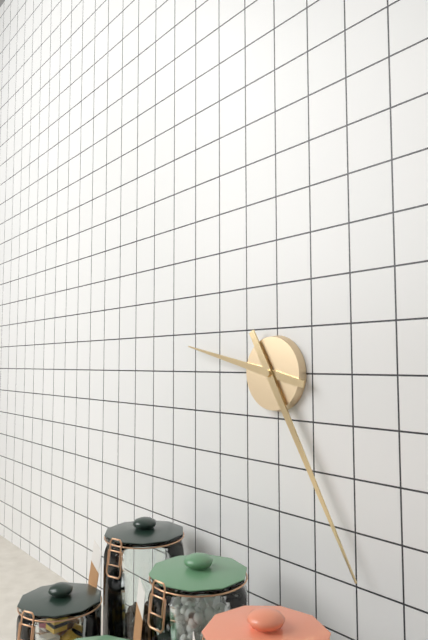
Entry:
9 h 25 min
